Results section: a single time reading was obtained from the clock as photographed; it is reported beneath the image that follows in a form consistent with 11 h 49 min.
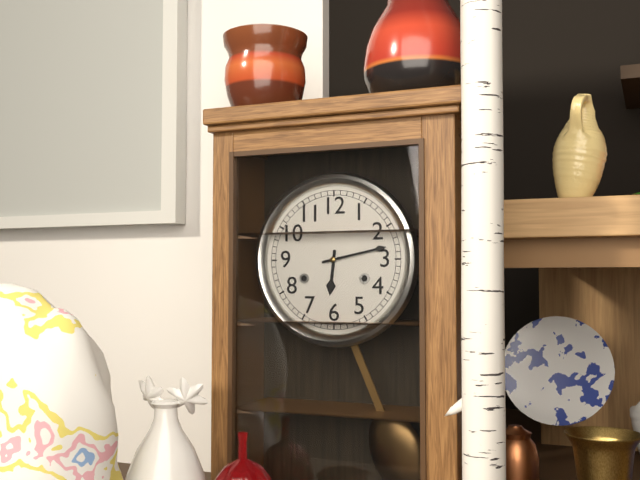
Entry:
6 h 13 min
